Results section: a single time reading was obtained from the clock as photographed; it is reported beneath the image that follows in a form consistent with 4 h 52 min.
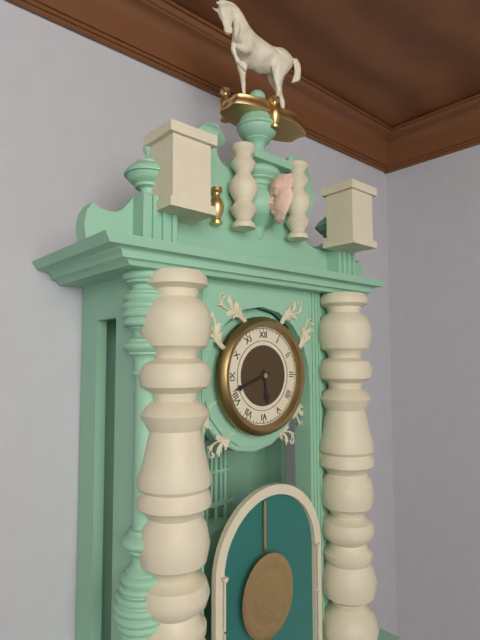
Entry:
5 h 42 min
